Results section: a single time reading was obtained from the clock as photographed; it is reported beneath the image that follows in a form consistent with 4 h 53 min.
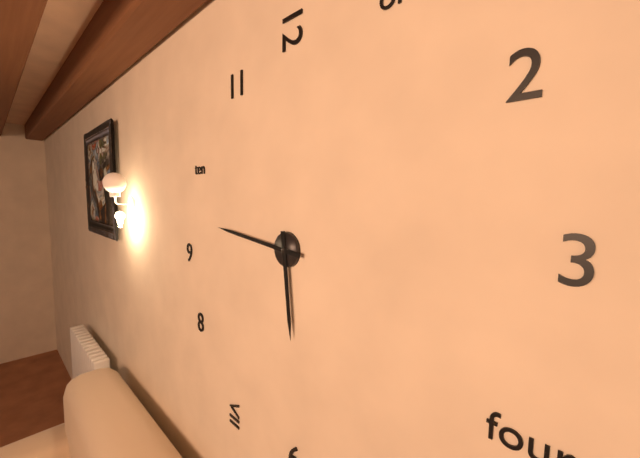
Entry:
5 h 46 min
